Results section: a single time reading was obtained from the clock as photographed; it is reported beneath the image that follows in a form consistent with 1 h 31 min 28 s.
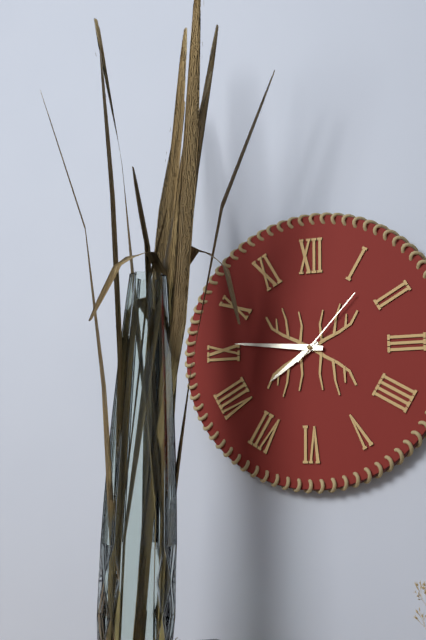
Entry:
7 h 46 min 07 s
